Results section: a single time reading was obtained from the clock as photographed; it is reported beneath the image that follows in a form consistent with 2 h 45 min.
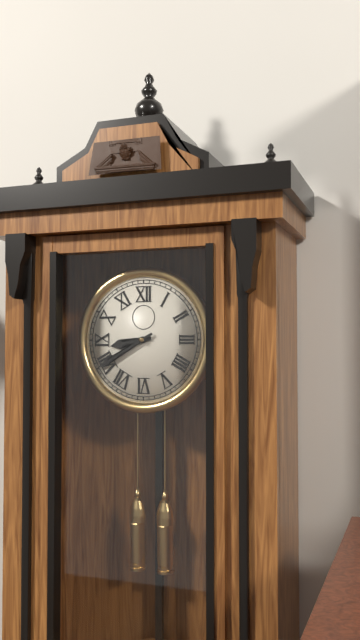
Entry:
8 h 40 min
